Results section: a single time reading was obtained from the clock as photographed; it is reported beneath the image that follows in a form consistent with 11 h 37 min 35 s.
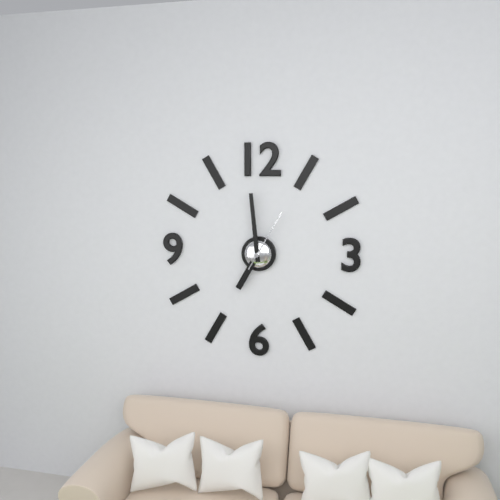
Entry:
6 h 59 min 05 s
